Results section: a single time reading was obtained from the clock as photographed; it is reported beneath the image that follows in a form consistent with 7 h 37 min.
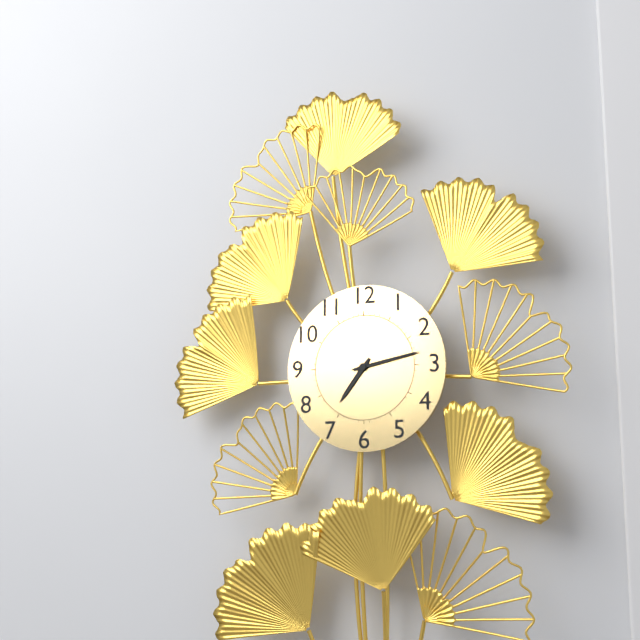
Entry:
7 h 13 min
